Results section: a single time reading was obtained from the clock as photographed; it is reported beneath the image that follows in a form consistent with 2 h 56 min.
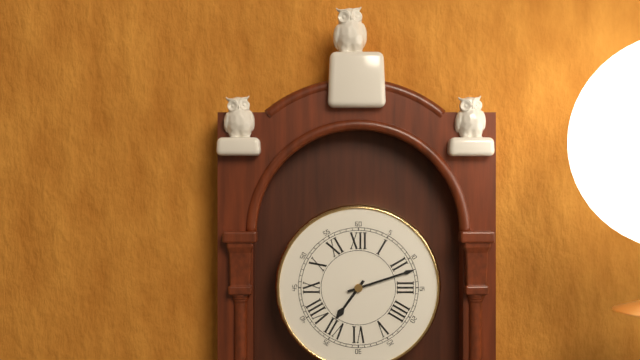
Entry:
7 h 12 min
